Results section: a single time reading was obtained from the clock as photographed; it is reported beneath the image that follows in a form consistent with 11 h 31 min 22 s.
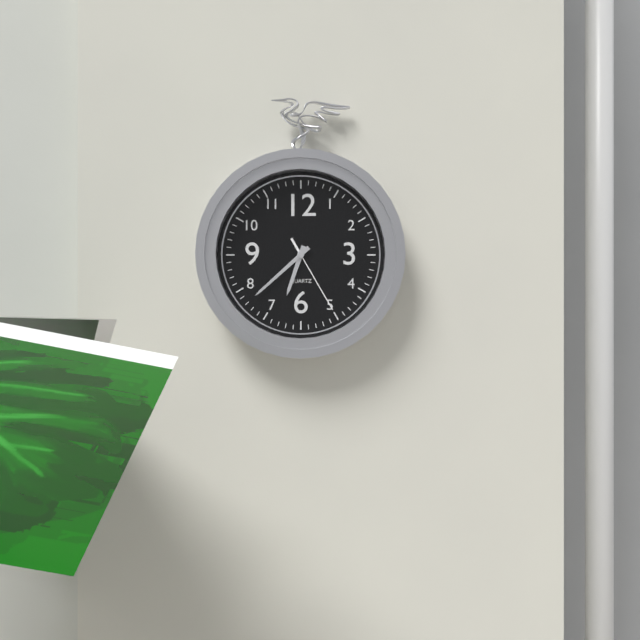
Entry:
6 h 38 min 25 s
